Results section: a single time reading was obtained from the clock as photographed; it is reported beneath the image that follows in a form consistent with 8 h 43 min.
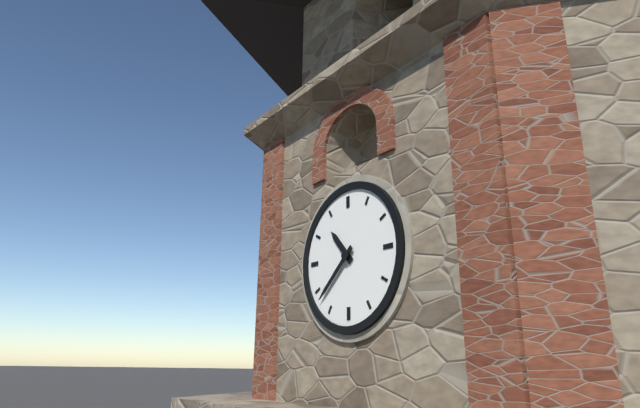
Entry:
10 h 38 min
